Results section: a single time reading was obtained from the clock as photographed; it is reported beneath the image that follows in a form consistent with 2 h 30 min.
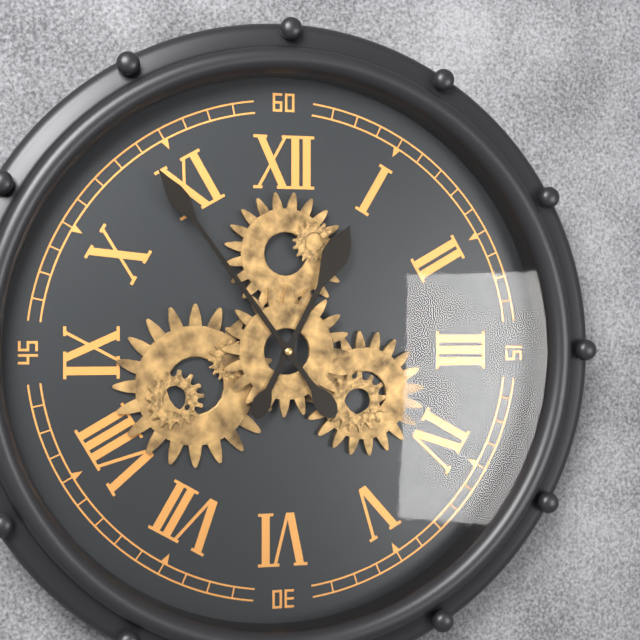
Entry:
12 h 54 min
